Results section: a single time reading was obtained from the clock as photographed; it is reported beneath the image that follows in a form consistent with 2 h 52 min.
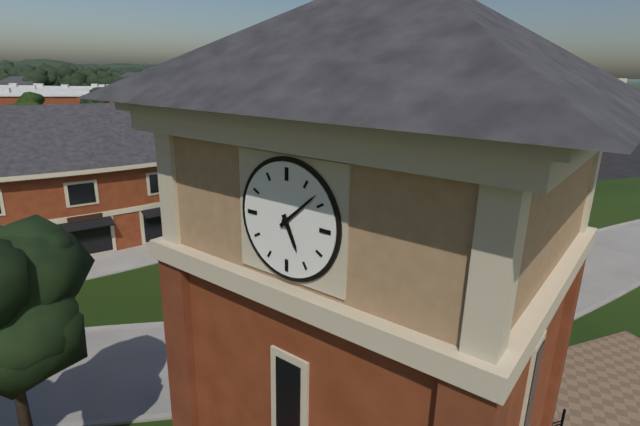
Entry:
5 h 08 min
